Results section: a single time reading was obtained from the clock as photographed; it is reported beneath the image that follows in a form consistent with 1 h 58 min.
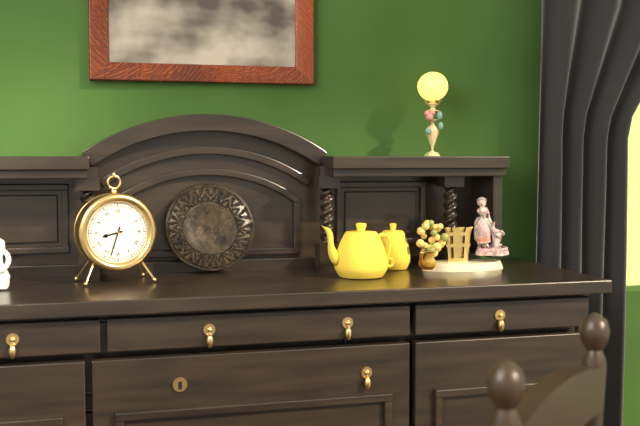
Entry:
8 h 33 min
